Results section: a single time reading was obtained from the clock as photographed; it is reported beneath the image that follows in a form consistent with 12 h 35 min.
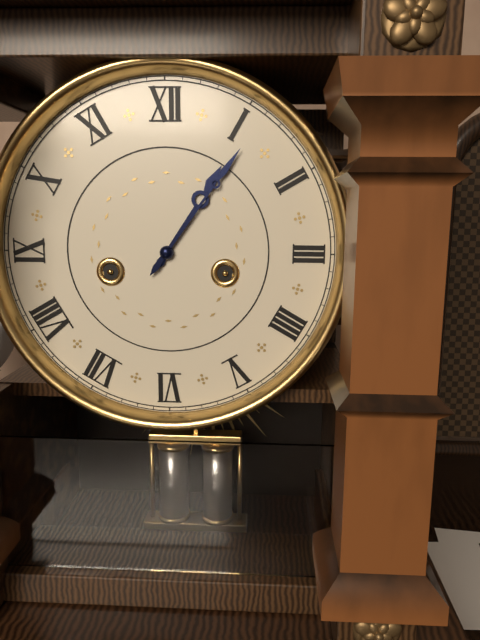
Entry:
1 h 06 min
